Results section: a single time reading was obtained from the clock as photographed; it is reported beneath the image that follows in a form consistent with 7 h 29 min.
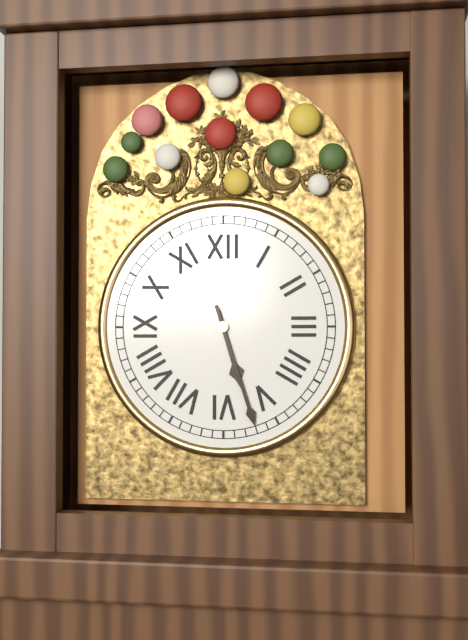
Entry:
5 h 27 min
